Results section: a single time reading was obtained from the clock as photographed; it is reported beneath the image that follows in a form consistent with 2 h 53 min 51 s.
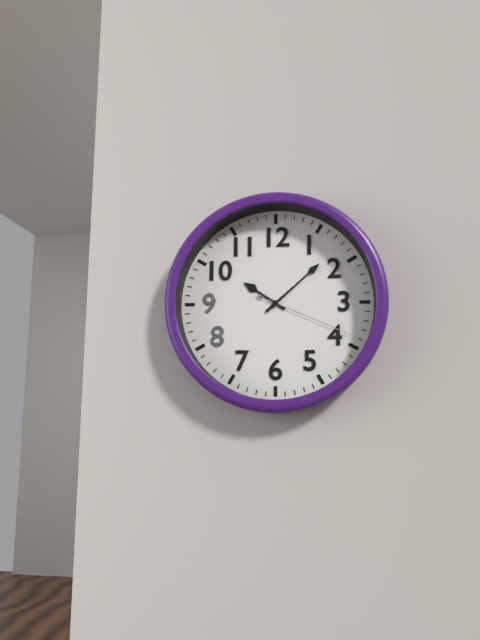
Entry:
10 h 08 min 19 s
